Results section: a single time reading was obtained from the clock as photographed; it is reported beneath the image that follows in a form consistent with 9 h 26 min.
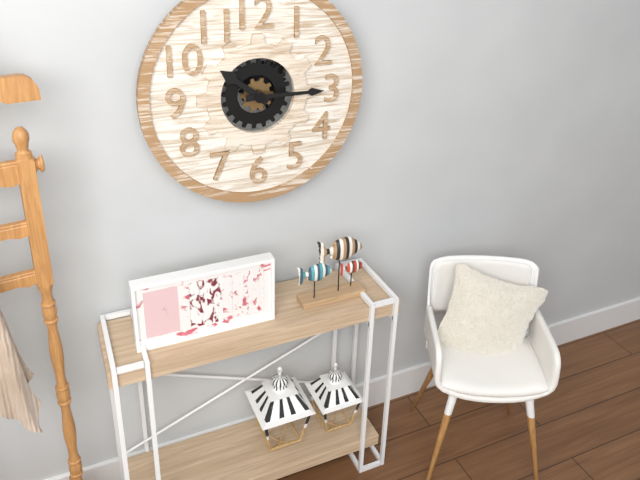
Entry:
10 h 15 min
